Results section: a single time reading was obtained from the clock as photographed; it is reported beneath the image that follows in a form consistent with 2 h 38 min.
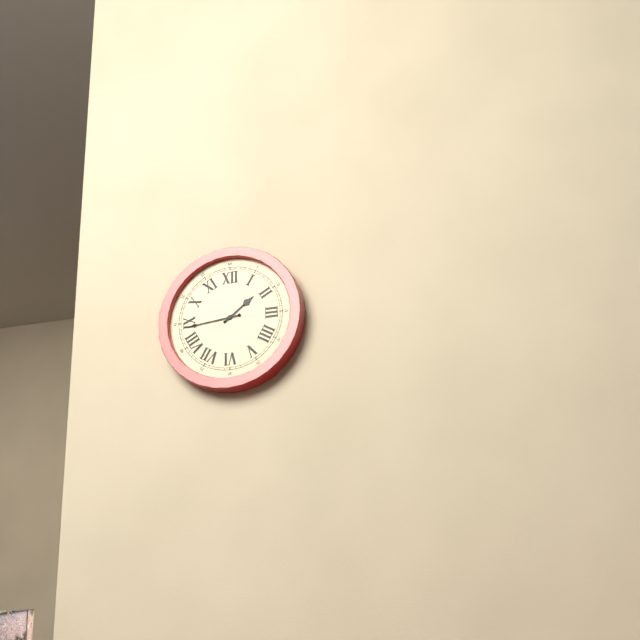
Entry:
1 h 44 min
